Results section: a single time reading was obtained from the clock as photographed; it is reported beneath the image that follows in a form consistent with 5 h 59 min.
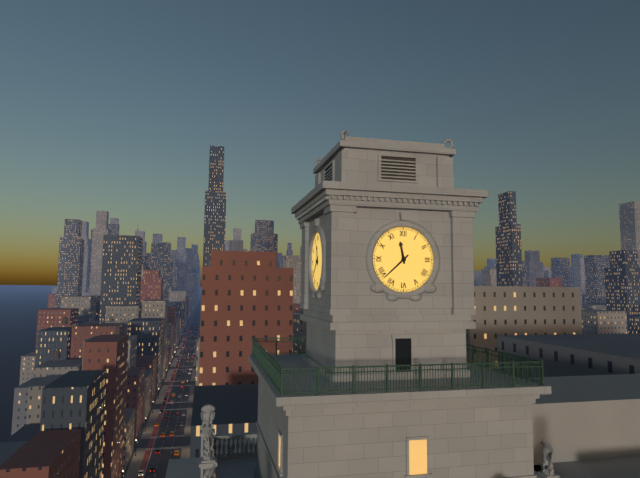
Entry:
11 h 38 min
